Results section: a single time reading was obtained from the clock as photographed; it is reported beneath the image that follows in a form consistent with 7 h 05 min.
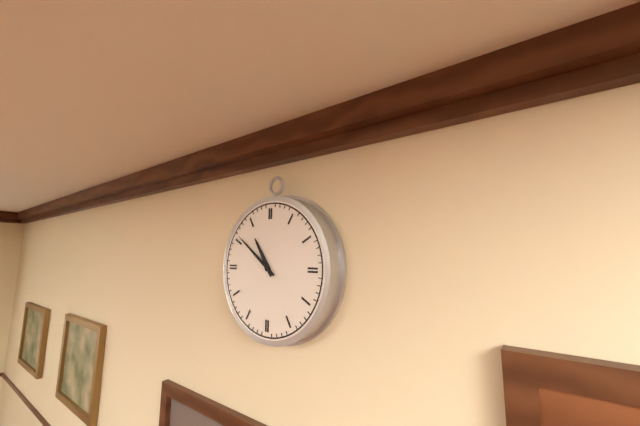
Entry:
10 h 51 min
